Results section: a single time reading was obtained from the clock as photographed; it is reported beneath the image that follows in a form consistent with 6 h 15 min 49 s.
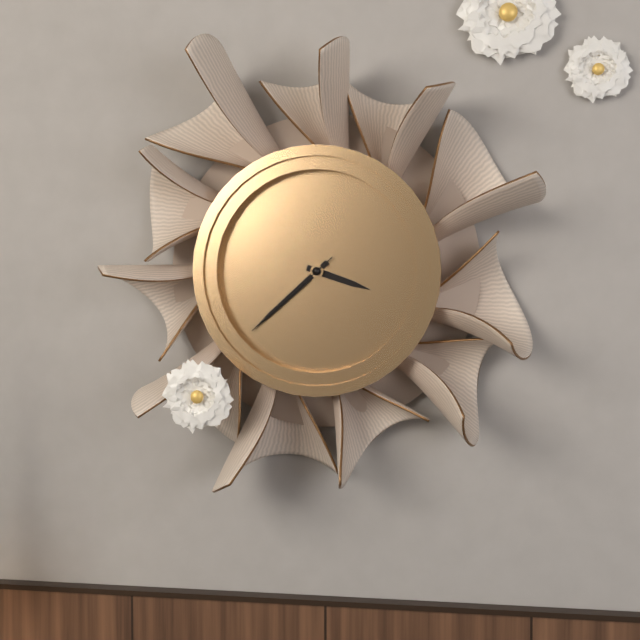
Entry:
3 h 38 min 38 s
